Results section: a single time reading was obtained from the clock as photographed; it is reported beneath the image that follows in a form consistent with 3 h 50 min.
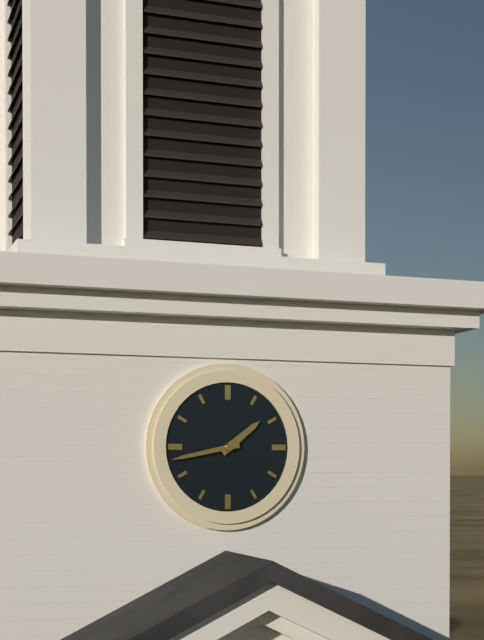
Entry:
1 h 43 min
